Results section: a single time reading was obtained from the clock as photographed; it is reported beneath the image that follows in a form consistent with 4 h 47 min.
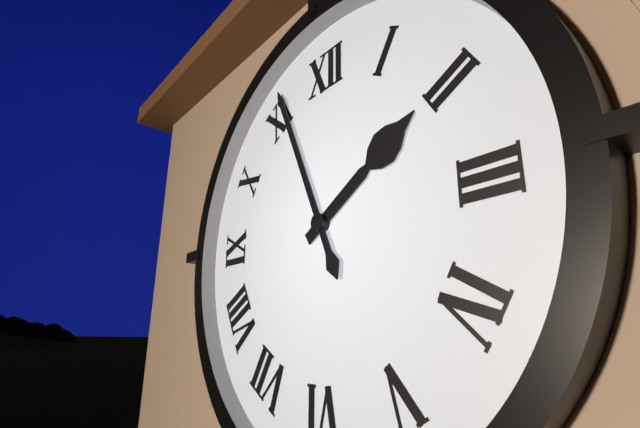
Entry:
1 h 56 min
